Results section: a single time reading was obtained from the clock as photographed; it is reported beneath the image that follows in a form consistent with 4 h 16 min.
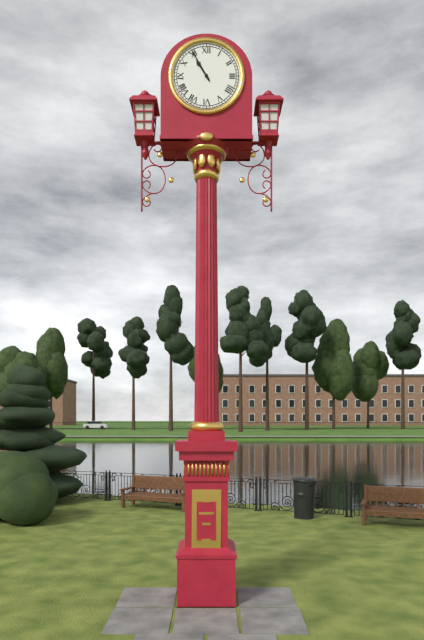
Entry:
10 h 55 min
